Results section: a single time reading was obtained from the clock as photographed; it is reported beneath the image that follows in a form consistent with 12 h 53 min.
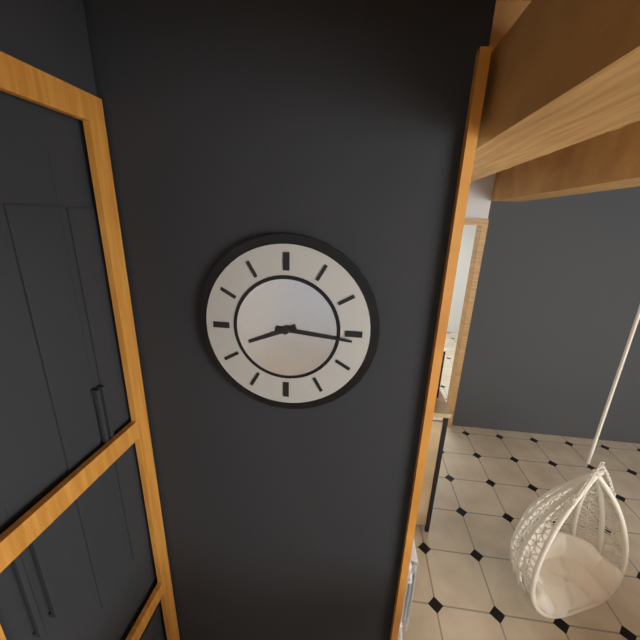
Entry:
8 h 16 min
